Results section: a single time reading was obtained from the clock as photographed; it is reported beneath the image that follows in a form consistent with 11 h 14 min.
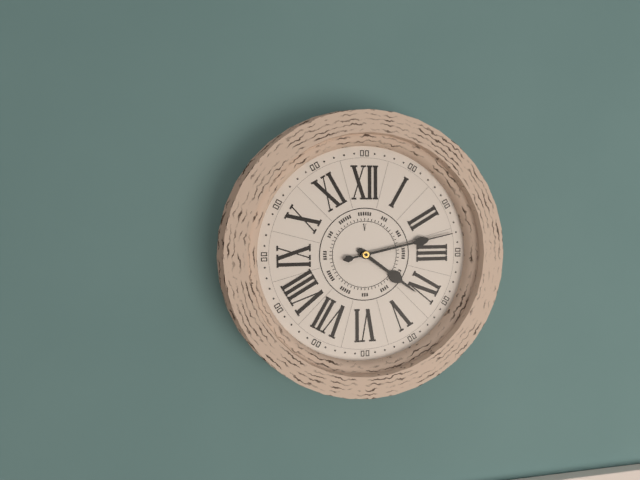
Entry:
4 h 13 min
